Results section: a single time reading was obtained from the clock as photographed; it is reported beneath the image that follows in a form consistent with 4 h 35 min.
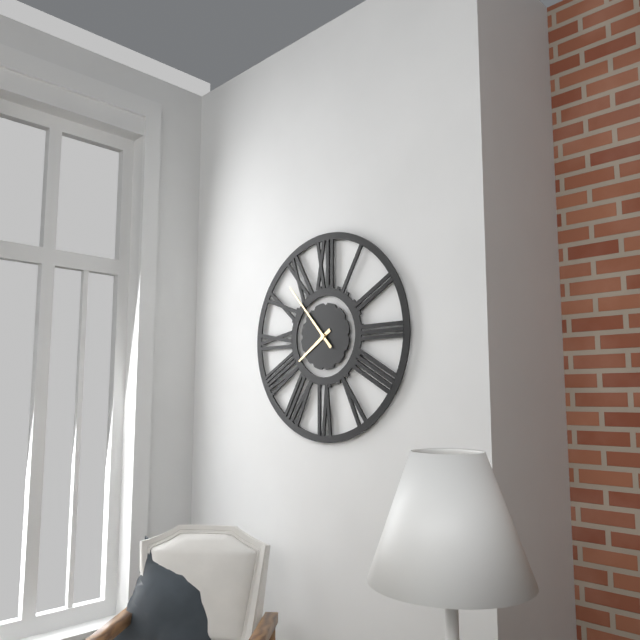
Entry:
7 h 53 min
